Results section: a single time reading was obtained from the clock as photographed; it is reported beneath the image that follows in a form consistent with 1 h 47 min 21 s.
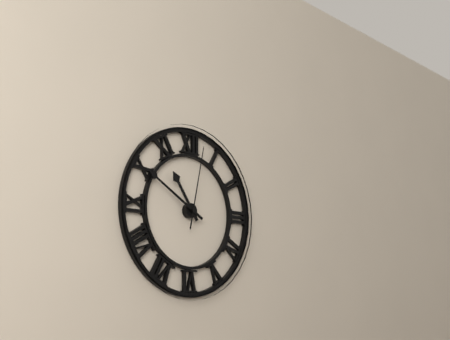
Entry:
10 h 50 min 02 s
